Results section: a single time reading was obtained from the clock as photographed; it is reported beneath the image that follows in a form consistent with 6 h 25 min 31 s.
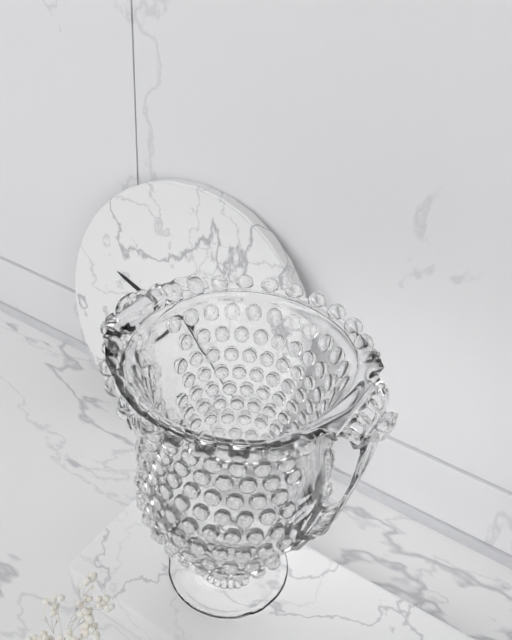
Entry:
9 h 37 min 21 s
